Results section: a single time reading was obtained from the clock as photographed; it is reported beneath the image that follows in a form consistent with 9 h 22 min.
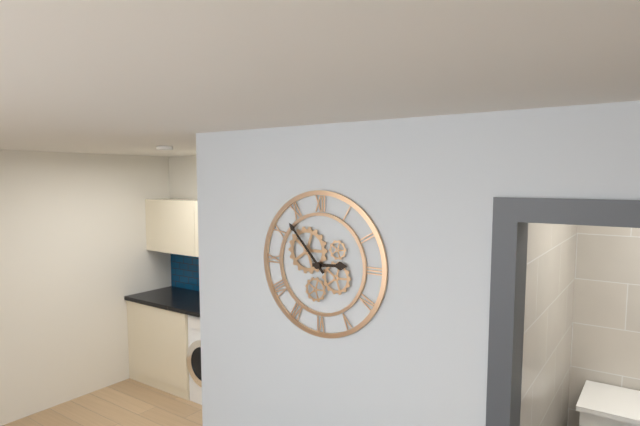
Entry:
2 h 53 min
